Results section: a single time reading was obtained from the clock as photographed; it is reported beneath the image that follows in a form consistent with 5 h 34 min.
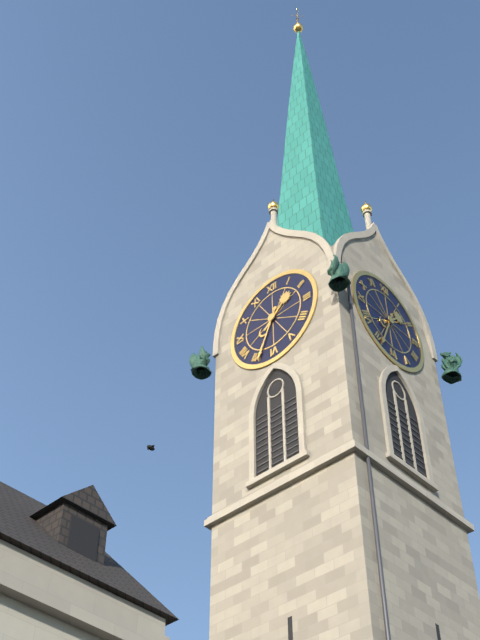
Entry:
1 h 34 min
